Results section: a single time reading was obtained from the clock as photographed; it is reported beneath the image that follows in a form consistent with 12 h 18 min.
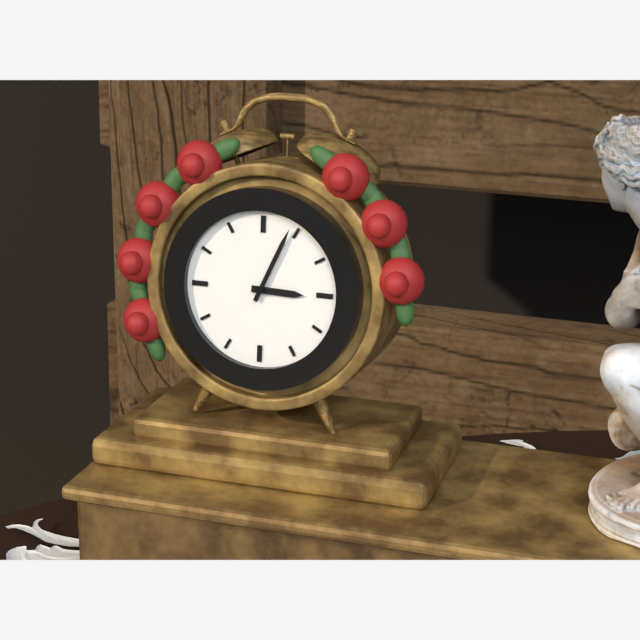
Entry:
3 h 04 min
